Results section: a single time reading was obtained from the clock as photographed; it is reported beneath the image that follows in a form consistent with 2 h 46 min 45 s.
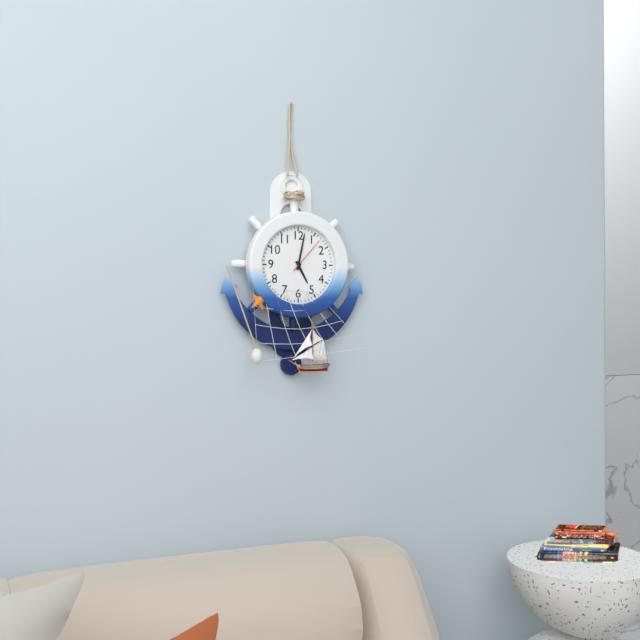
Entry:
5 h 02 min 07 s
